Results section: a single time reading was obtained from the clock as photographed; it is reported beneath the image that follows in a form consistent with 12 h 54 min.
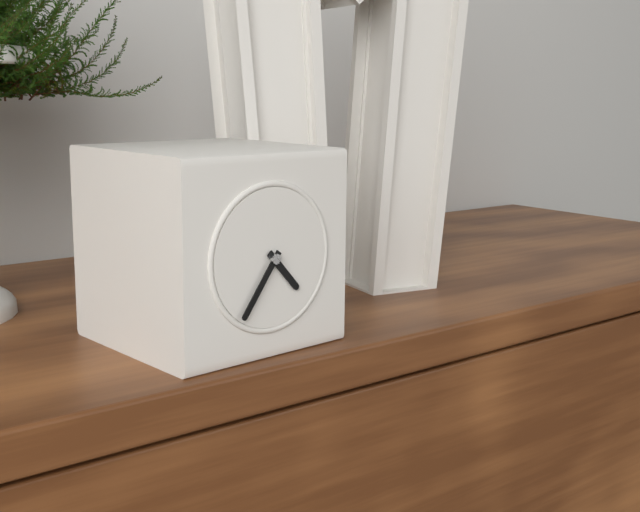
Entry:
4 h 36 min
